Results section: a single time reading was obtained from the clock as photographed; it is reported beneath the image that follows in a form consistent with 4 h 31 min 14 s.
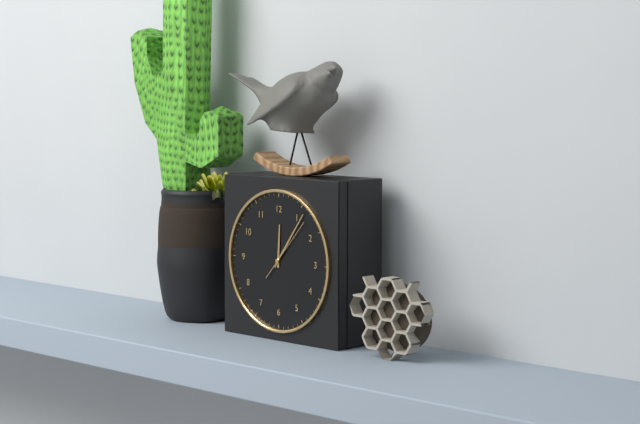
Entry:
12 h 06 min 07 s
